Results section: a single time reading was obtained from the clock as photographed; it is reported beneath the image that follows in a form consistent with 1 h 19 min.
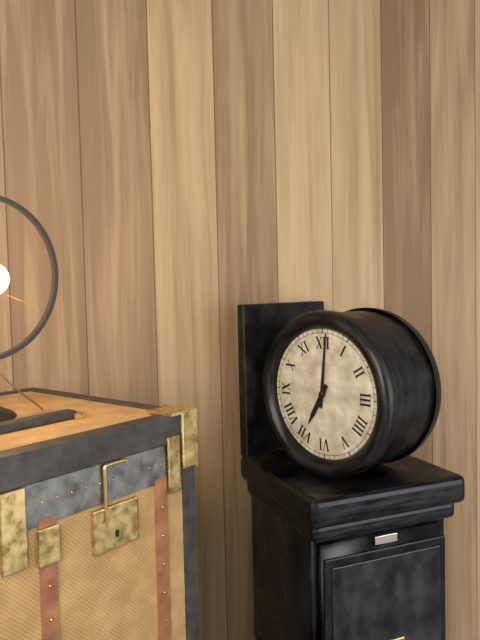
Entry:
7 h 01 min
